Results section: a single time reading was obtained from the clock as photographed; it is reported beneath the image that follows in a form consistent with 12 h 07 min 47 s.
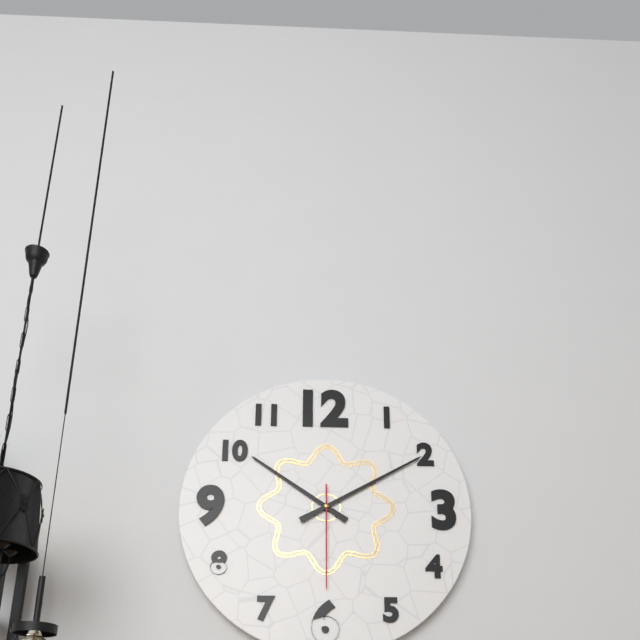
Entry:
10 h 10 min 30 s
